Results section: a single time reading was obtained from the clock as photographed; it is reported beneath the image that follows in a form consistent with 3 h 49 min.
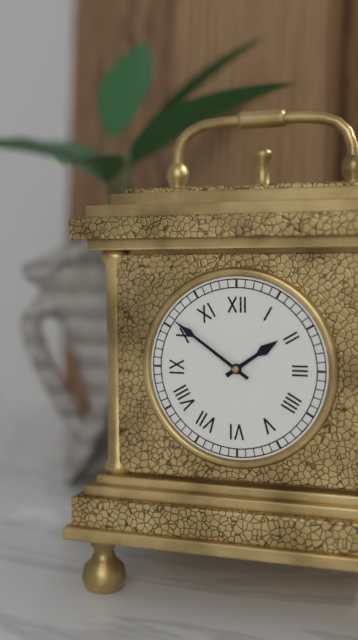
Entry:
1 h 51 min
